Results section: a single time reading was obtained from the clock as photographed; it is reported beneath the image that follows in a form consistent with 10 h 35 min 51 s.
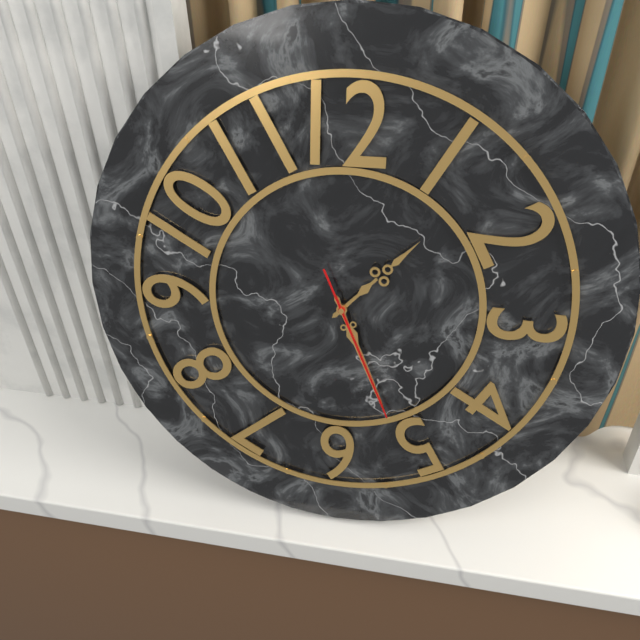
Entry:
1 h 26 min 26 s
